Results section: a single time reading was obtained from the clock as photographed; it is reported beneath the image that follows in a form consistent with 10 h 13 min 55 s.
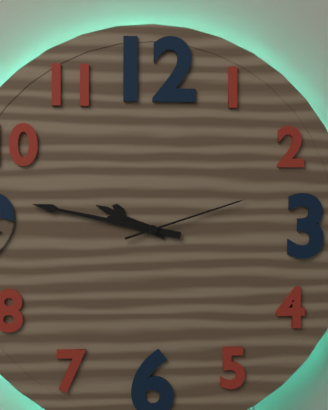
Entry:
9 h 47 min 12 s
